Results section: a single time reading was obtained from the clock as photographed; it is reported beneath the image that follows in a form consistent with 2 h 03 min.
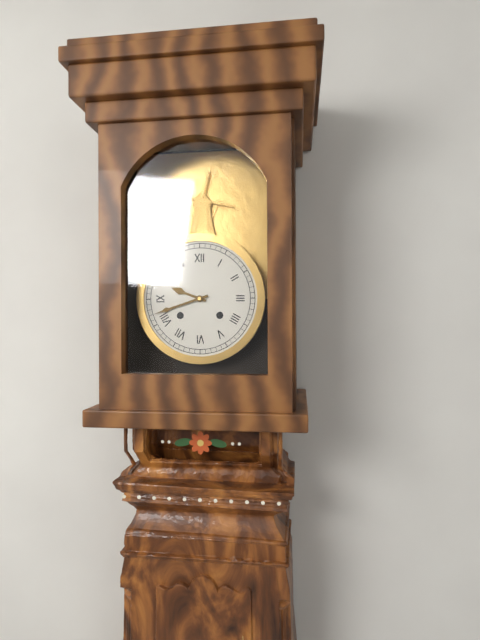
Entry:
9 h 42 min
